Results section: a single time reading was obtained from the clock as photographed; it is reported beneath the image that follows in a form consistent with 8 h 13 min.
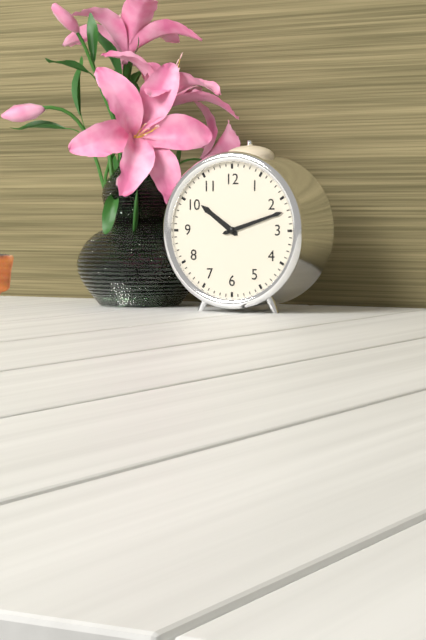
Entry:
10 h 12 min
